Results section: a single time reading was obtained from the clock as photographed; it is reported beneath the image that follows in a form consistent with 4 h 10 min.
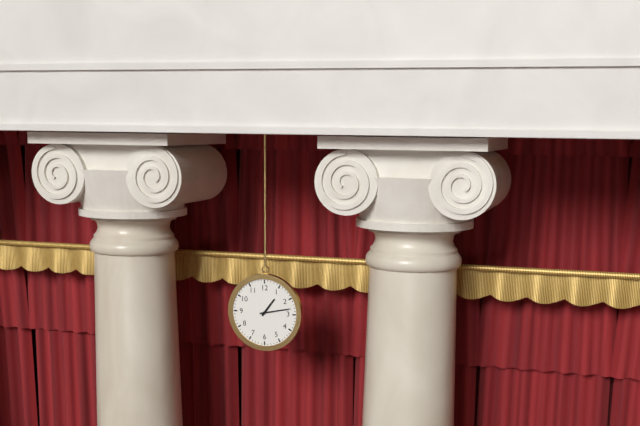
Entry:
1 h 13 min
